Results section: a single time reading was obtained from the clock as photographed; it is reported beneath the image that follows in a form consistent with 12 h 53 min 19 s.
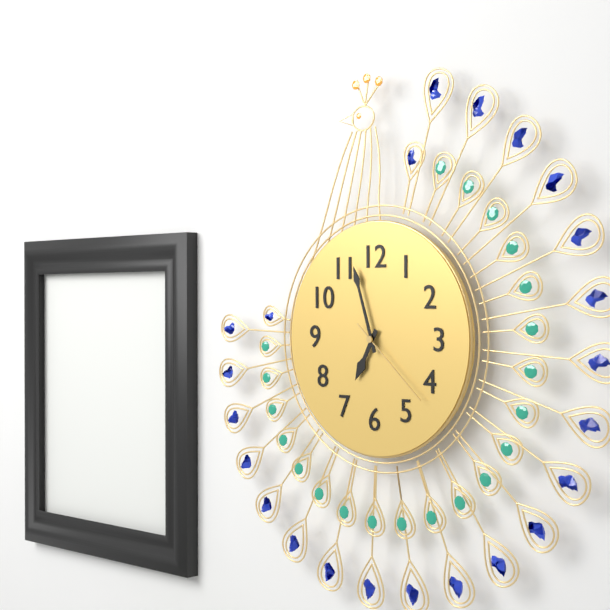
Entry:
6 h 57 min 22 s
